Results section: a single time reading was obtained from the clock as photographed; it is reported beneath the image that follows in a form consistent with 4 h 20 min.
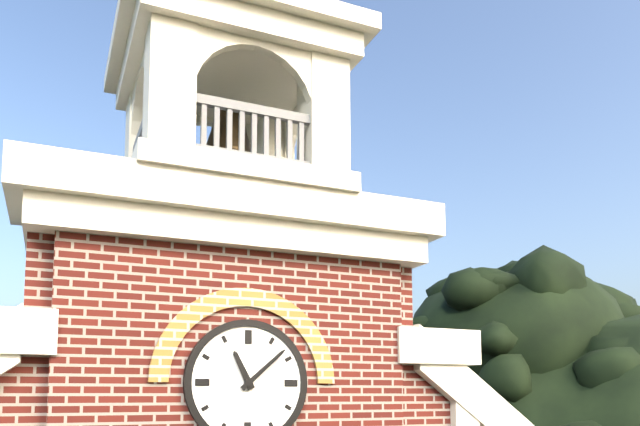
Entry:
11 h 08 min
